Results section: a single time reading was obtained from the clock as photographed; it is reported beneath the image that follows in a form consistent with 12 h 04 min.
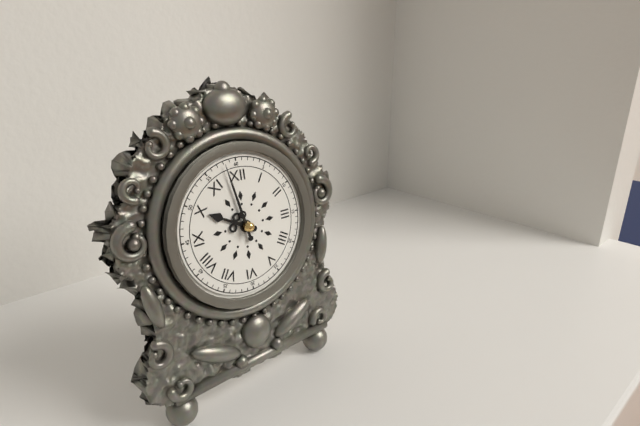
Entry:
9 h 58 min
